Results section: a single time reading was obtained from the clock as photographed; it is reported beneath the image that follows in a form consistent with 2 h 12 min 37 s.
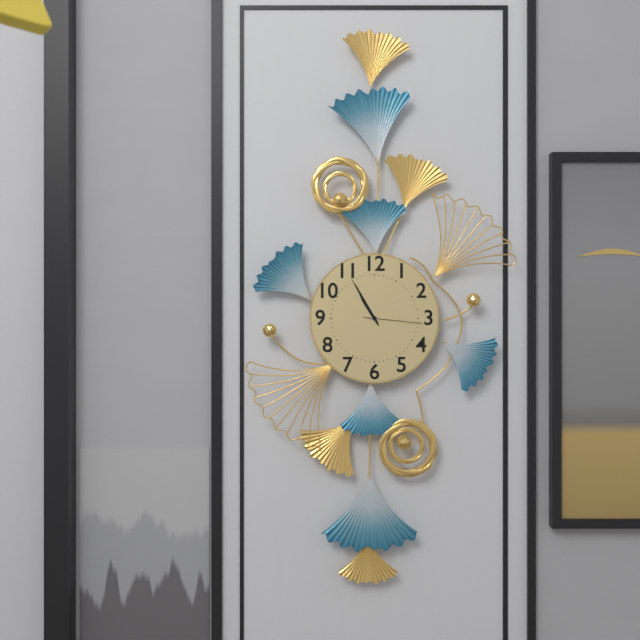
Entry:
10 h 55 min 16 s
